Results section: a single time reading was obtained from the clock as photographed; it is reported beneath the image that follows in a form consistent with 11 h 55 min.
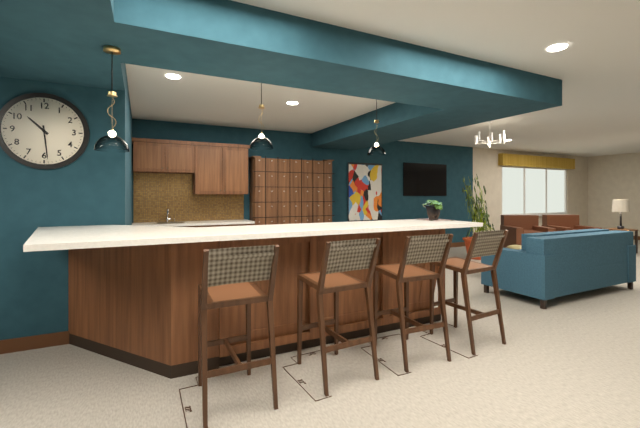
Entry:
10 h 29 min
